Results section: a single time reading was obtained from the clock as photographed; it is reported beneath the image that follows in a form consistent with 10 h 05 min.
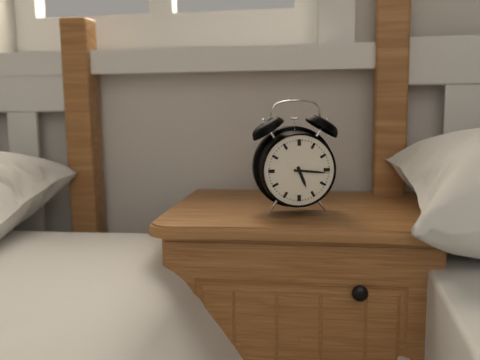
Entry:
5 h 16 min
